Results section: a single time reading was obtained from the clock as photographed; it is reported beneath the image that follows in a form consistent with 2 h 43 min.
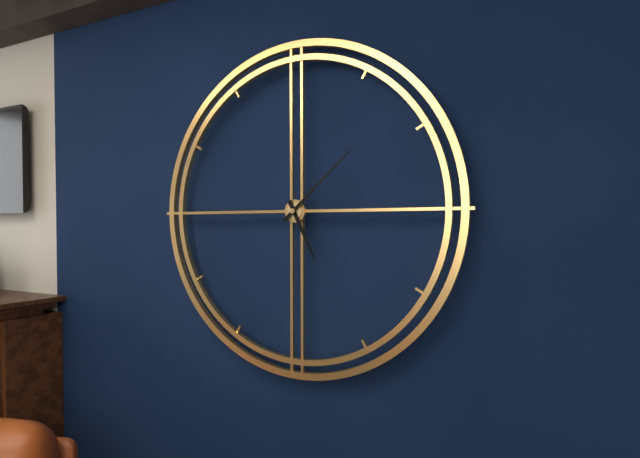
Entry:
5 h 08 min
